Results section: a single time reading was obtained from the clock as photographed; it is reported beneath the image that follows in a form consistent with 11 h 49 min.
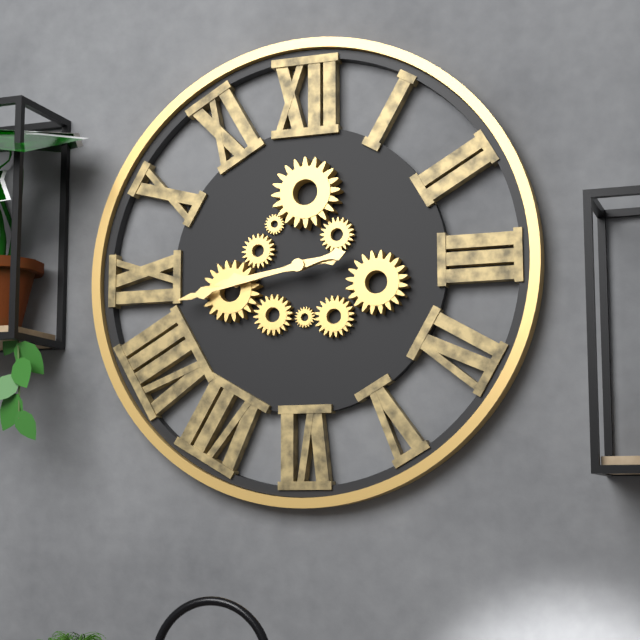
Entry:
8 h 43 min
